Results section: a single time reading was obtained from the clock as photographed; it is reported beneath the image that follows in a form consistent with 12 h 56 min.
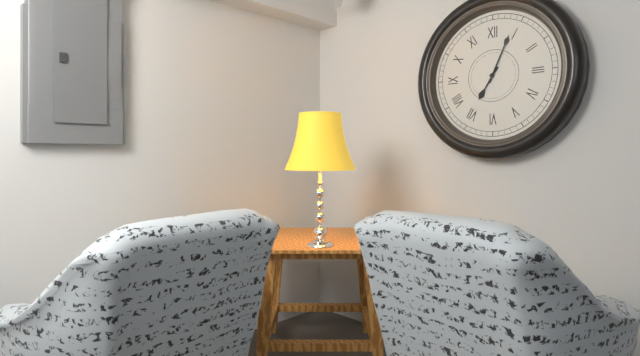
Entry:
7 h 04 min
